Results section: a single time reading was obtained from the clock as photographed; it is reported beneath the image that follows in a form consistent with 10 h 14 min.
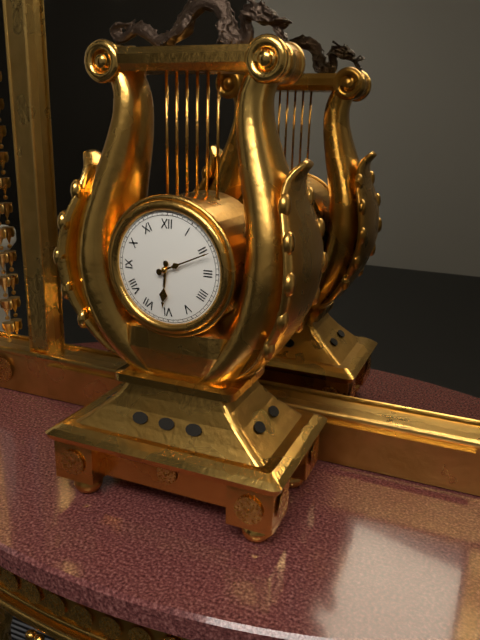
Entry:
6 h 11 min
